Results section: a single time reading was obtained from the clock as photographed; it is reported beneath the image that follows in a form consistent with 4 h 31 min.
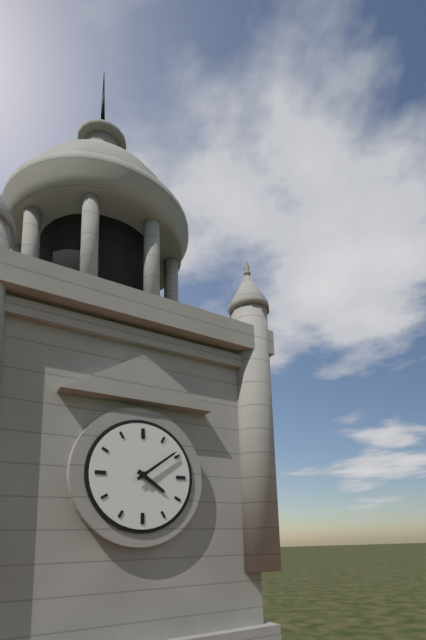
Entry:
4 h 09 min
